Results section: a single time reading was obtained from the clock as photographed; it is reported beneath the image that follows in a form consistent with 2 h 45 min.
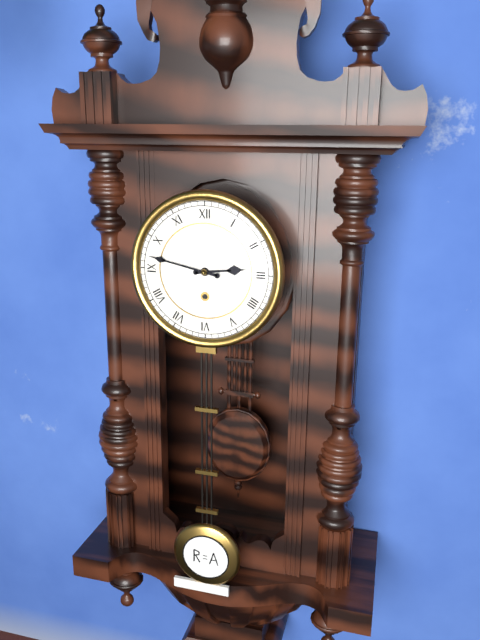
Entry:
2 h 47 min
